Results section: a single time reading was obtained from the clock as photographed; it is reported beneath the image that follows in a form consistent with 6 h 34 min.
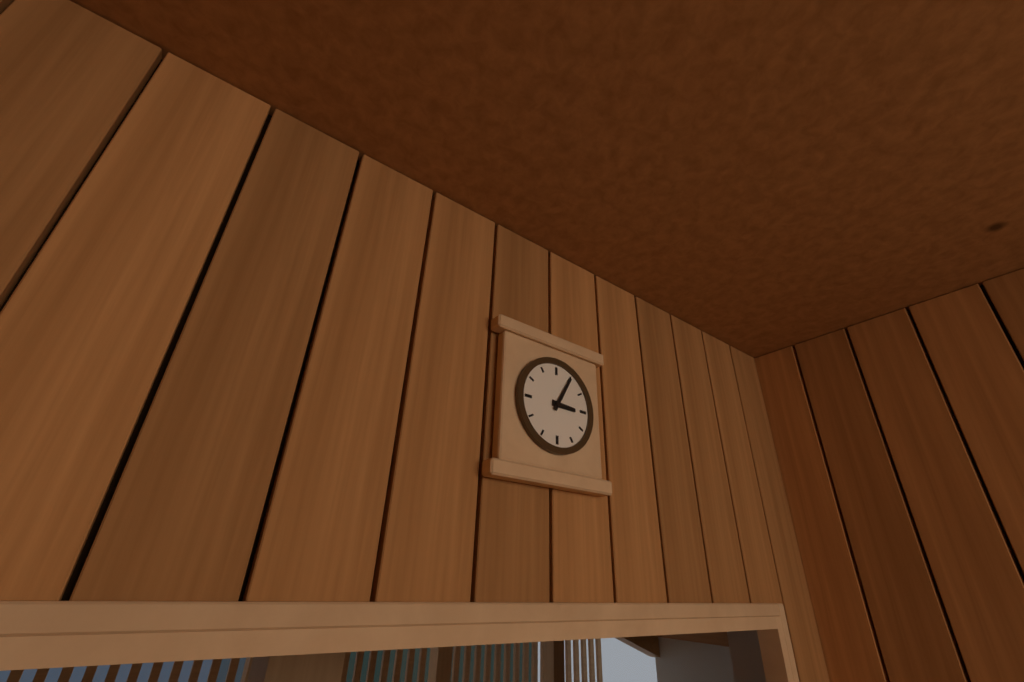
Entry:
3 h 05 min
